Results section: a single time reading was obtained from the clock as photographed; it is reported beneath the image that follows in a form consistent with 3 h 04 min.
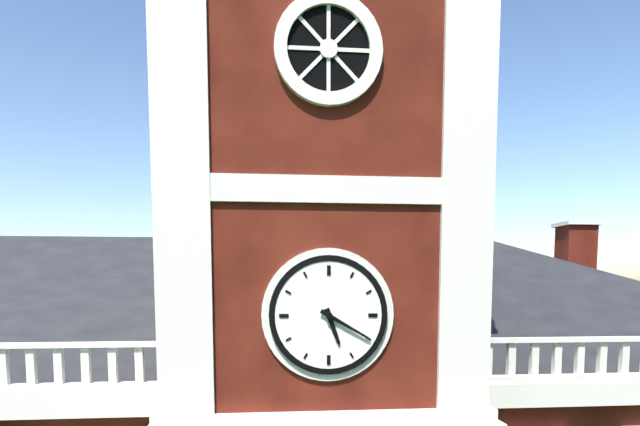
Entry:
5 h 20 min
